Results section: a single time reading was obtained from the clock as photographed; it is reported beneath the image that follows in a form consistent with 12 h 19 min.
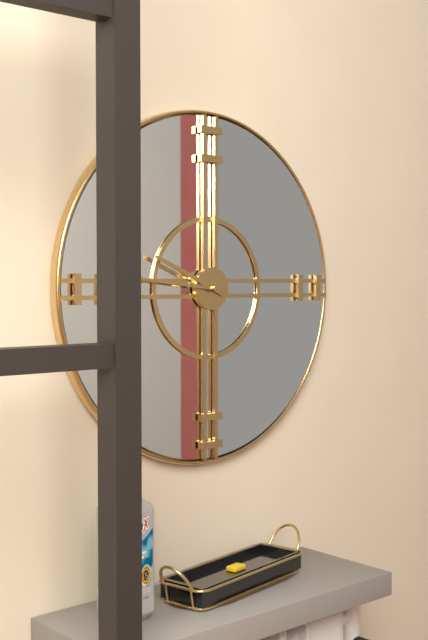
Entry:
9 h 46 min
